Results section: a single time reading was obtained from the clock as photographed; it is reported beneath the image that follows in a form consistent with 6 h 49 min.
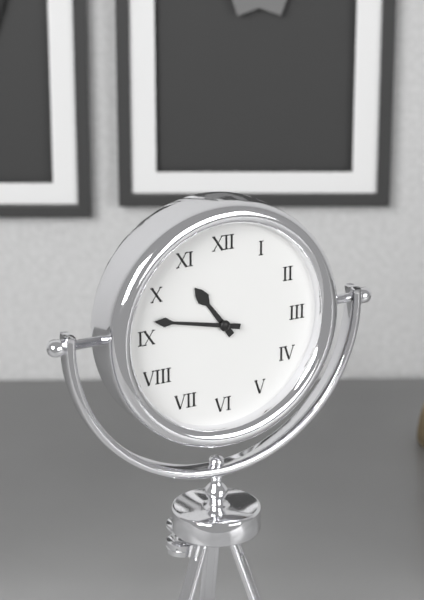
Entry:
10 h 47 min
